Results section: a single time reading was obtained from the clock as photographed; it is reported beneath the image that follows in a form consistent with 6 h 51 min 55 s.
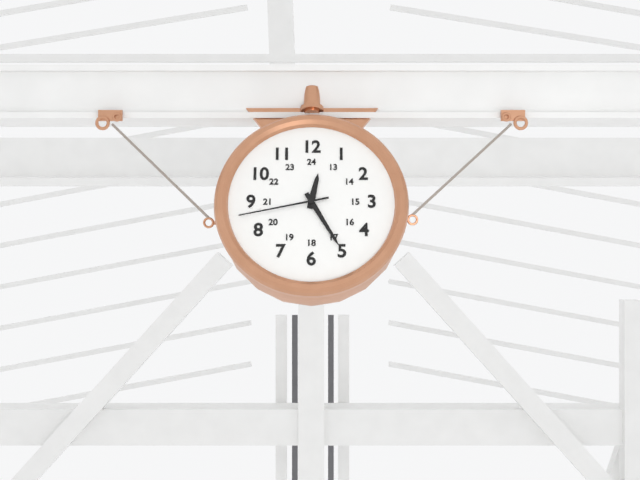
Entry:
12 h 25 min 43 s
